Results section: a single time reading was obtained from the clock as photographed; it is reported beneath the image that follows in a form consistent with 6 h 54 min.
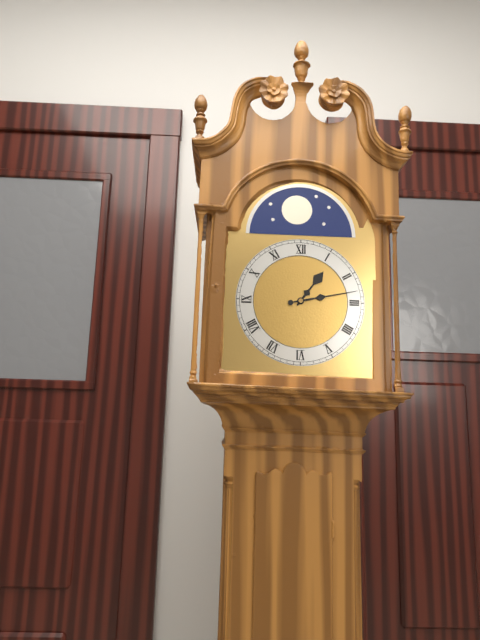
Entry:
1 h 13 min
